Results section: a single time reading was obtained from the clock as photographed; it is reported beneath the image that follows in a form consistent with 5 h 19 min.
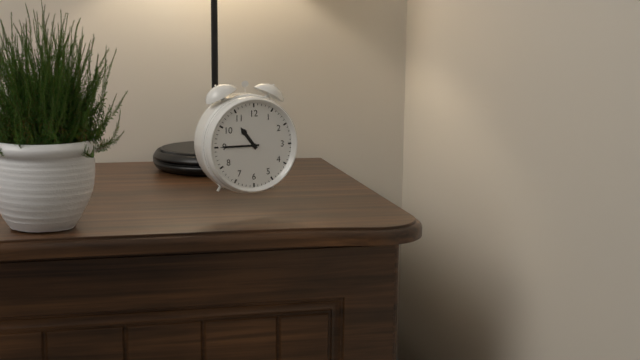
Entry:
10 h 45 min
